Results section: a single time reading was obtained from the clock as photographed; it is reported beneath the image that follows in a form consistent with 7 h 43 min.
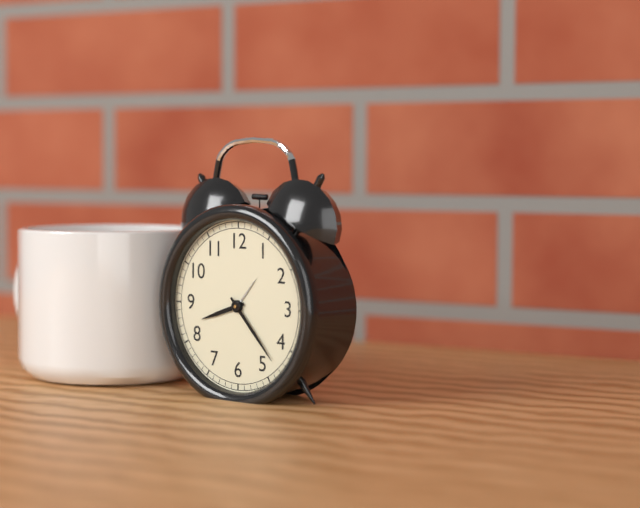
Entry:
8 h 23 min
